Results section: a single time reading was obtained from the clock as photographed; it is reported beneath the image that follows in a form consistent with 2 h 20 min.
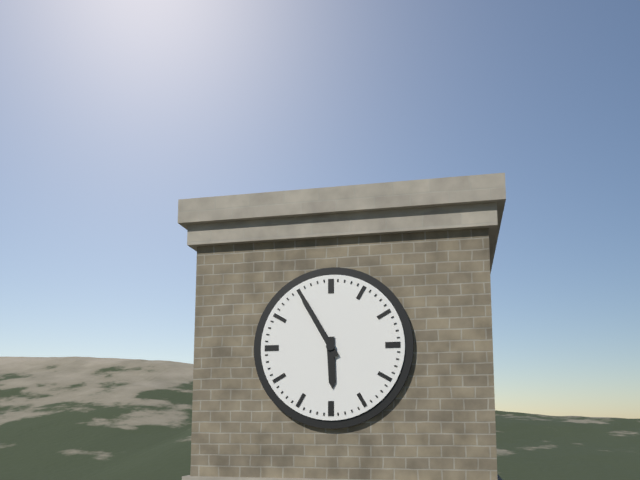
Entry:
5 h 55 min
